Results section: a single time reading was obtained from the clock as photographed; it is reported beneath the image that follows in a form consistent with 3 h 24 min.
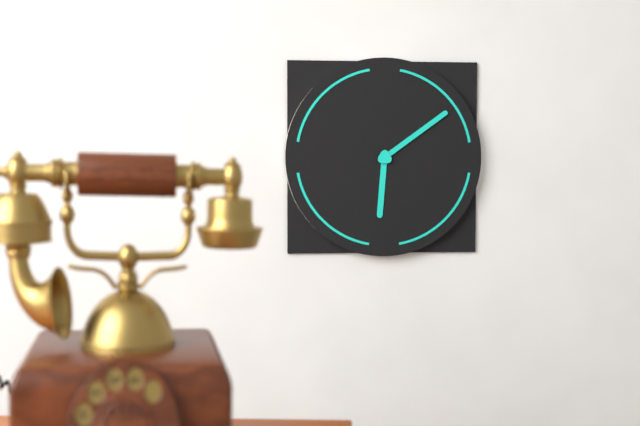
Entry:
6 h 09 min
